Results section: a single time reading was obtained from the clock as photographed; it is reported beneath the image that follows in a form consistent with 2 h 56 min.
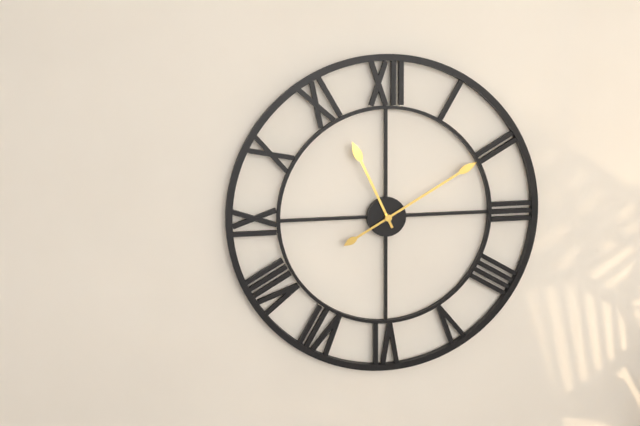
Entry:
11 h 10 min
